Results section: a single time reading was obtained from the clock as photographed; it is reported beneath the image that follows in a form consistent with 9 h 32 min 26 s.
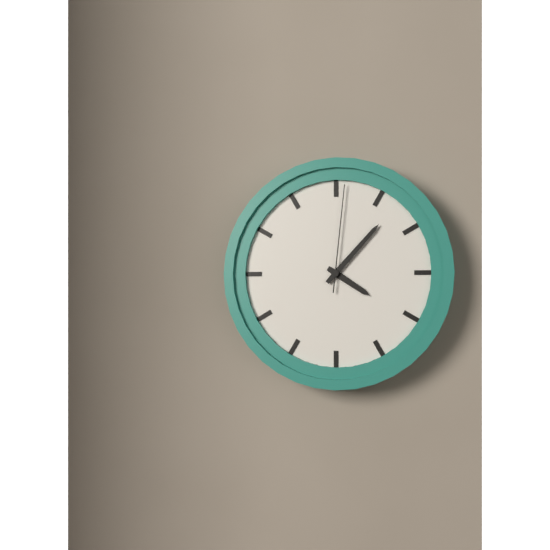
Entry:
4 h 07 min 01 s
